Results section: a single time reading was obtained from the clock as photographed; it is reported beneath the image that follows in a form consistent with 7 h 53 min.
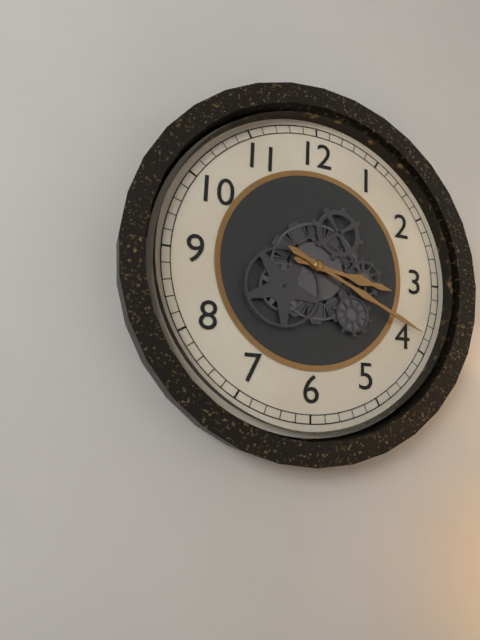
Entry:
3 h 19 min
